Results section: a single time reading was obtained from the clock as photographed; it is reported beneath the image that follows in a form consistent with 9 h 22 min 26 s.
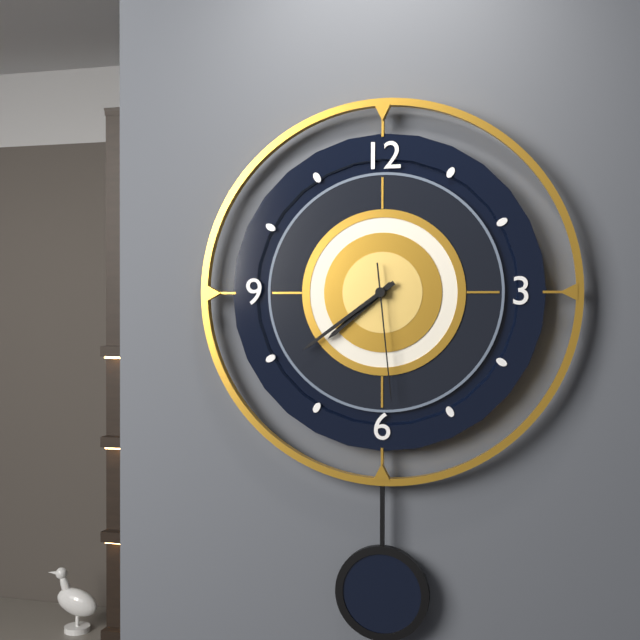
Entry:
7 h 39 min 29 s
